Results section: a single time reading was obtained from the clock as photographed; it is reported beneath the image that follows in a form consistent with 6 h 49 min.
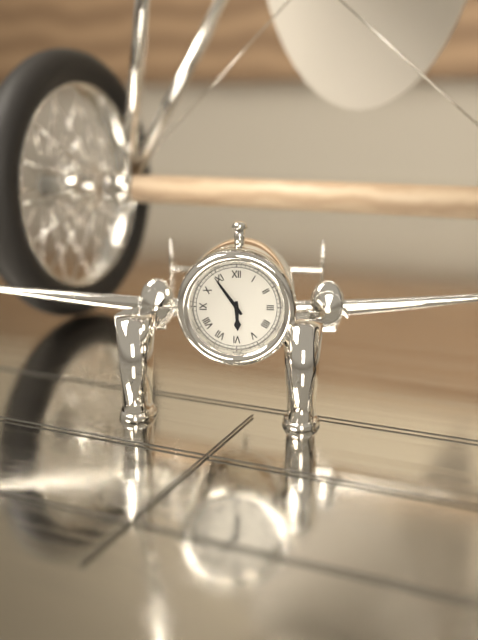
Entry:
5 h 54 min
